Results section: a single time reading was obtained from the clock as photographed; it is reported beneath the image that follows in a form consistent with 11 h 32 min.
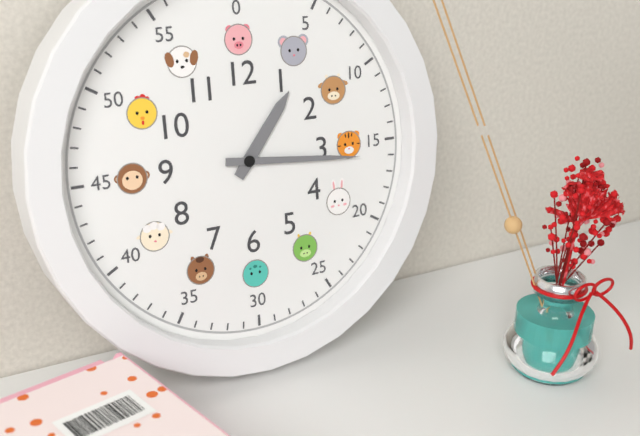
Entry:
1 h 16 min
